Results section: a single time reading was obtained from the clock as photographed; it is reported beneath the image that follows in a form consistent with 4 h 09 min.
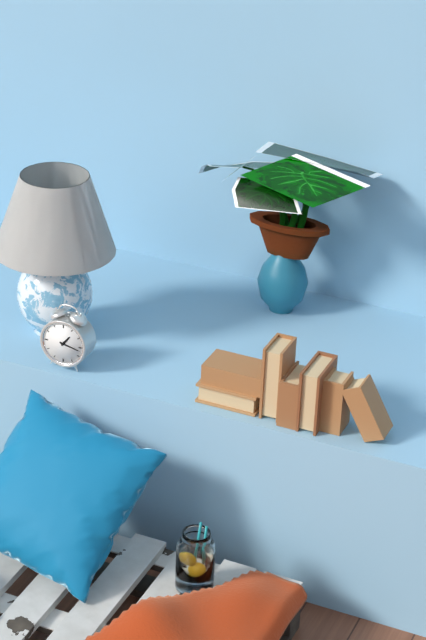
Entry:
1 h 17 min
